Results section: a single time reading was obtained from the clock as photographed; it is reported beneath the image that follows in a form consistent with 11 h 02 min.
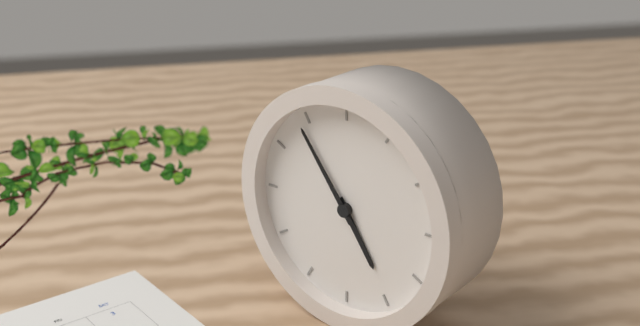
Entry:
4 h 54 min
